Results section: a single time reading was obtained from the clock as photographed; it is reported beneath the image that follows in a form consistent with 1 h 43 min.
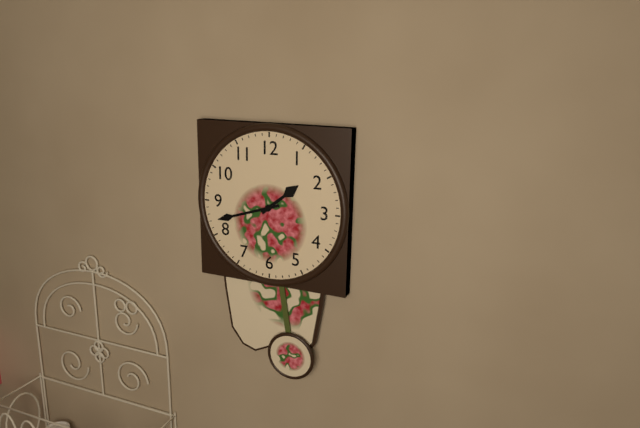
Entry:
1 h 42 min
